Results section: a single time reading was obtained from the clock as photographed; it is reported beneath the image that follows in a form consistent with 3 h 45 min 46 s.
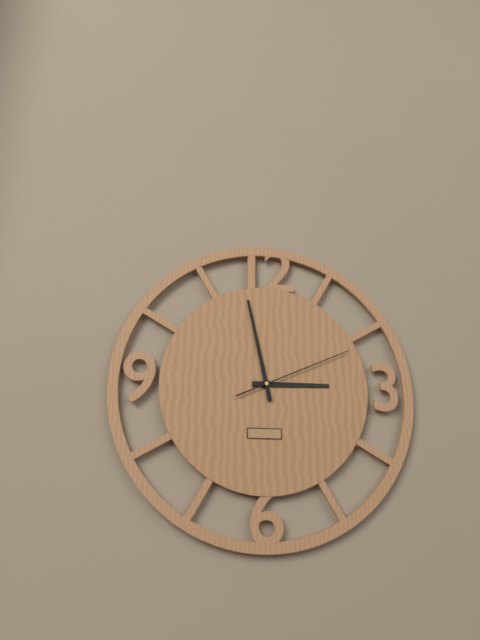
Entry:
2 h 58 min 11 s
